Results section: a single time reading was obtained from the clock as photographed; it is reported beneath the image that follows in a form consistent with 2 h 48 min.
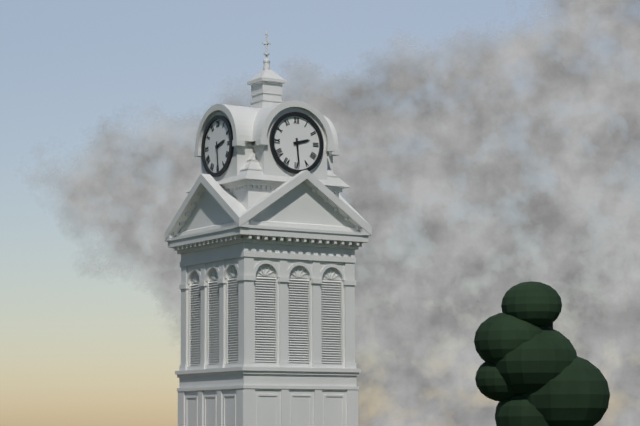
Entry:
2 h 29 min
